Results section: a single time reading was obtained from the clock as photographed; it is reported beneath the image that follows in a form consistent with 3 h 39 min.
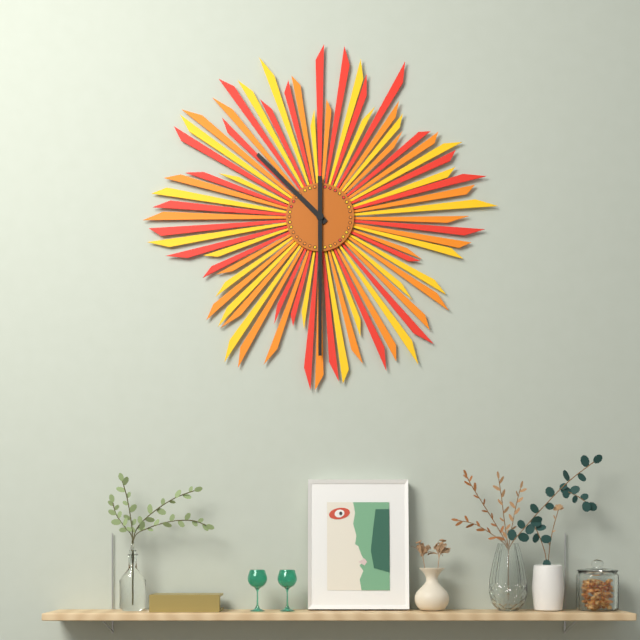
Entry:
10 h 30 min
